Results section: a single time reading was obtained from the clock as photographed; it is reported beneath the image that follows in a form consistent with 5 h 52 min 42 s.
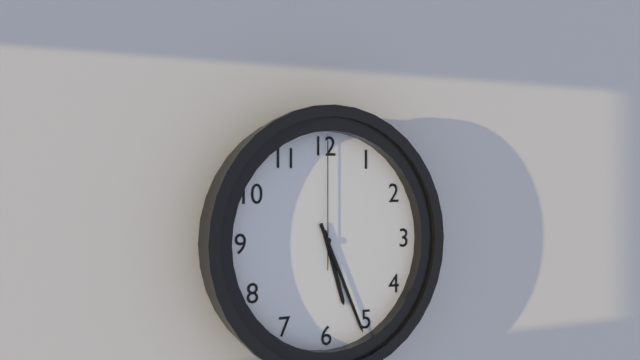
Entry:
5 h 26 min 00 s
